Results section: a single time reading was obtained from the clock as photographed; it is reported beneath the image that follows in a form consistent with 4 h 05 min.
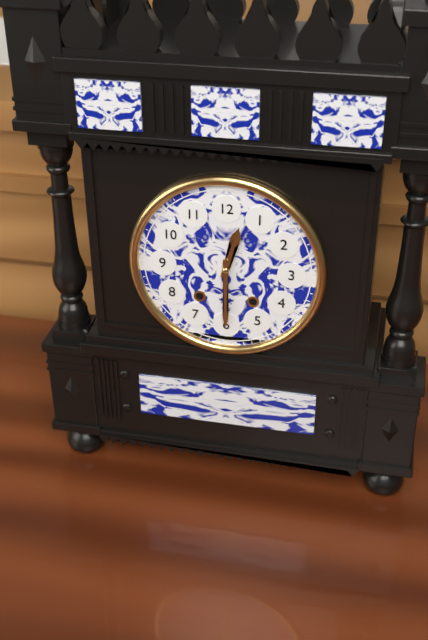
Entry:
12 h 30 min
